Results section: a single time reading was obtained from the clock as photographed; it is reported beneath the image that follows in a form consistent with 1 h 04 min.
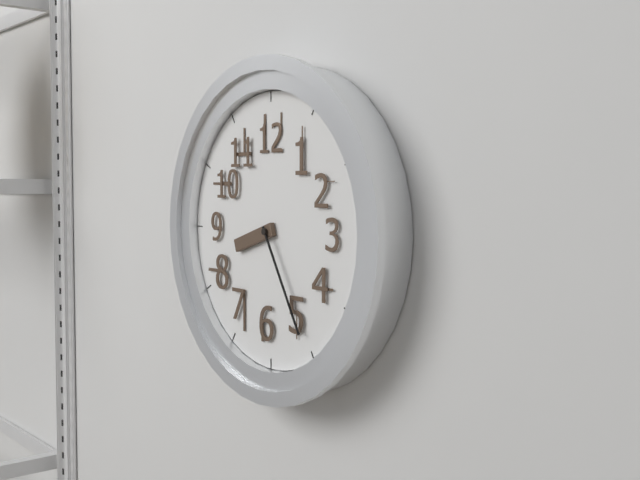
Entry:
8 h 25 min
